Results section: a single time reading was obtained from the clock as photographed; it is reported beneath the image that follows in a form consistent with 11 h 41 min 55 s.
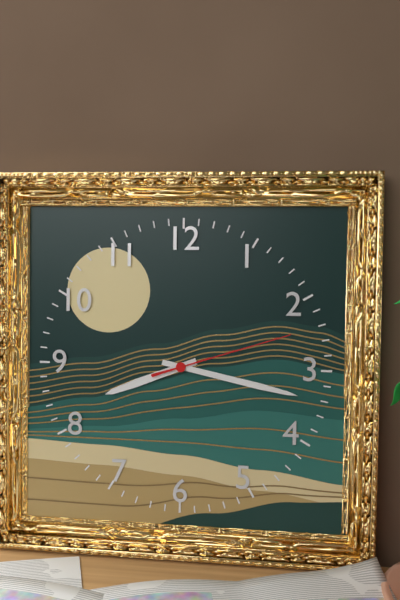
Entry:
8 h 17 min 12 s
